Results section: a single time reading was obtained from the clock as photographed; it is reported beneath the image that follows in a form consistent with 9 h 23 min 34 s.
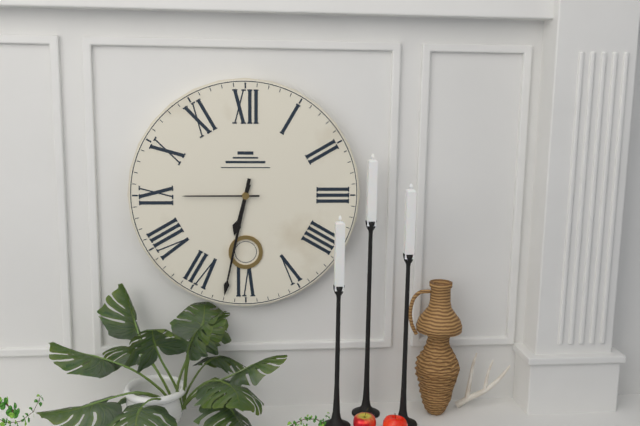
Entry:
6 h 32 min 45 s
